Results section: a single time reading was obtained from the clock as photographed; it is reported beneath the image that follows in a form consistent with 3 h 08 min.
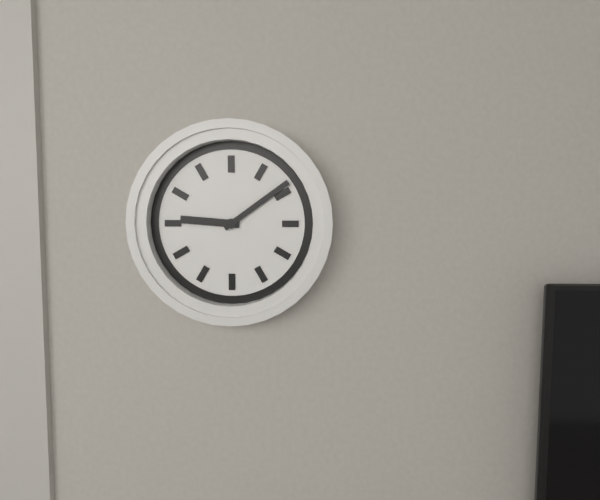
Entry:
9 h 09 min
